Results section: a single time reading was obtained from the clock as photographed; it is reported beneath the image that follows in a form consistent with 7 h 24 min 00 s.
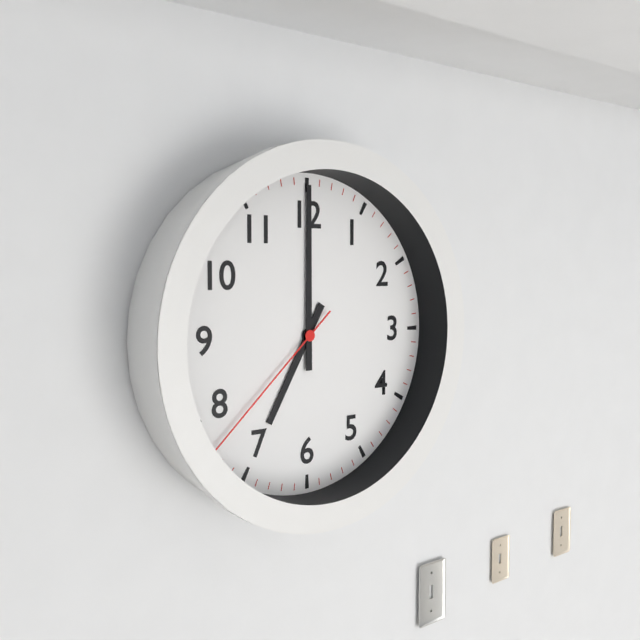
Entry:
7 h 00 min 38 s
